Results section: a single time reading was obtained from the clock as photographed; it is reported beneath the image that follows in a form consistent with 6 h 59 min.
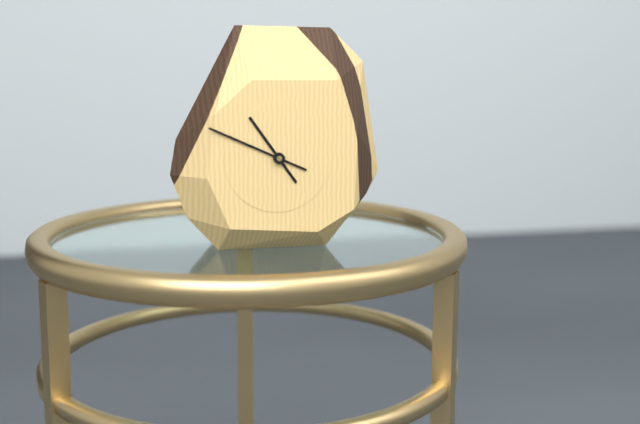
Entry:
10 h 49 min
